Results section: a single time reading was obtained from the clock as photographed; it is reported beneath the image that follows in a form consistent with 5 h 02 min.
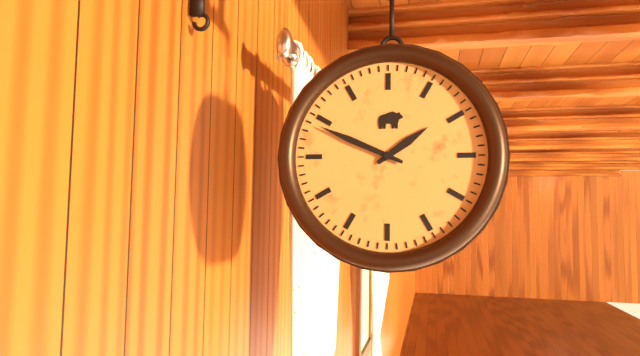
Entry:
1 h 49 min
